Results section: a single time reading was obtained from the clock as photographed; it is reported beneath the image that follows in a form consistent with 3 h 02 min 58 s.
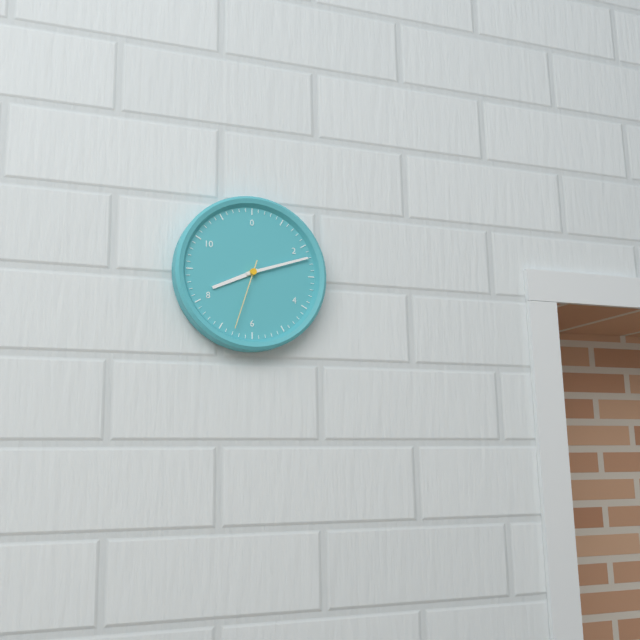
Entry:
8 h 12 min 33 s
